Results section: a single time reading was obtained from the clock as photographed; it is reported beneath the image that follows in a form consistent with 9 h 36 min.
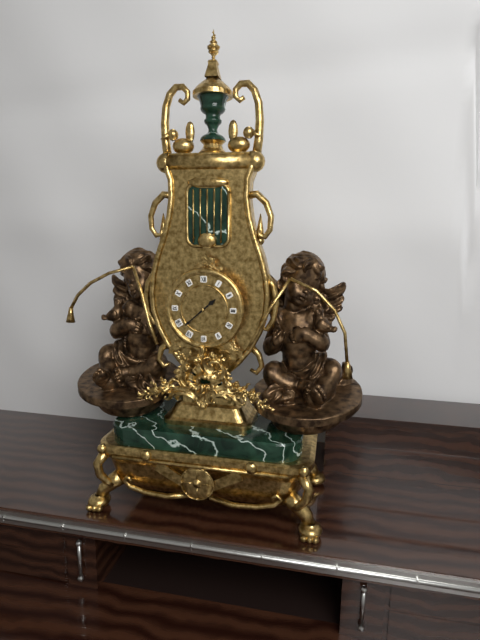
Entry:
1 h 38 min
